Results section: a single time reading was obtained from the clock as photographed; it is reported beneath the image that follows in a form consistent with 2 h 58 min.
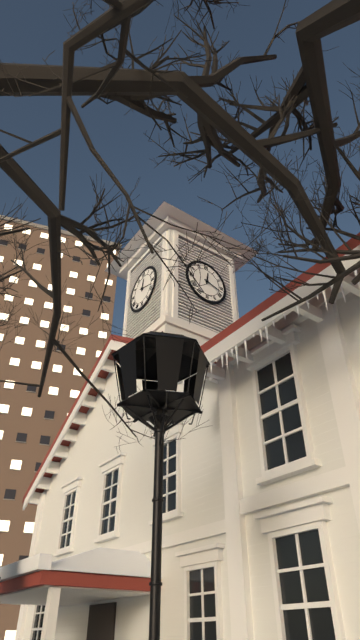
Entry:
12 h 18 min
